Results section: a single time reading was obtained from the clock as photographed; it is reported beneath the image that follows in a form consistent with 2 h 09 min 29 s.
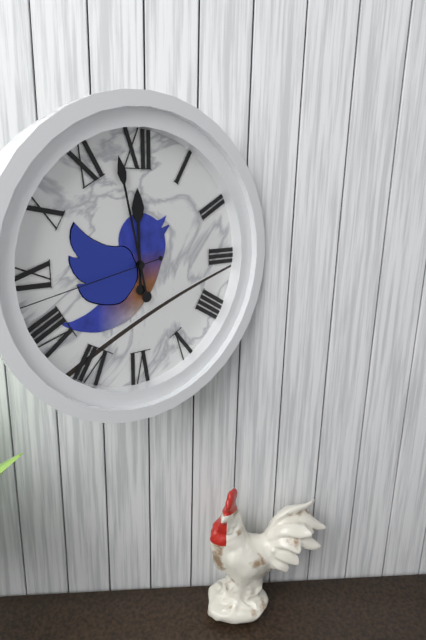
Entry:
11 h 58 min 43 s
